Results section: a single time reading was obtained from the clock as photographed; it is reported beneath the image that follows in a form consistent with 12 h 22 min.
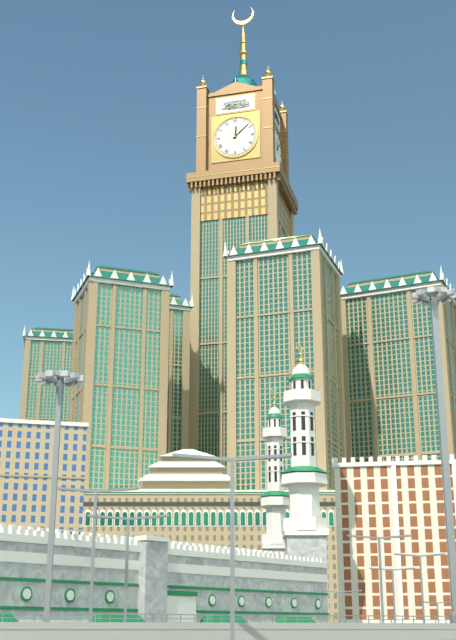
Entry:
12 h 08 min
